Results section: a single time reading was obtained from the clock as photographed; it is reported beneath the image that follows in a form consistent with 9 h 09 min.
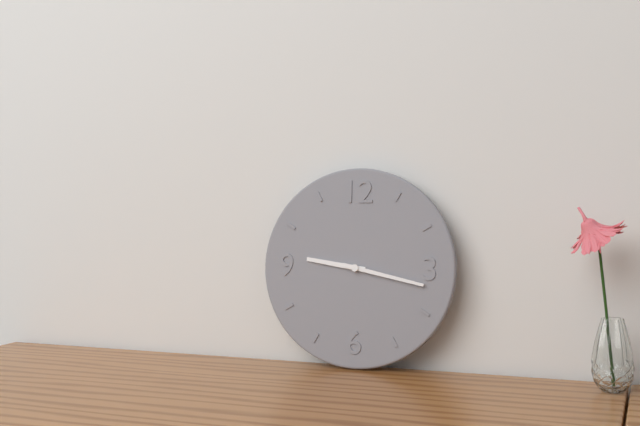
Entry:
9 h 17 min
